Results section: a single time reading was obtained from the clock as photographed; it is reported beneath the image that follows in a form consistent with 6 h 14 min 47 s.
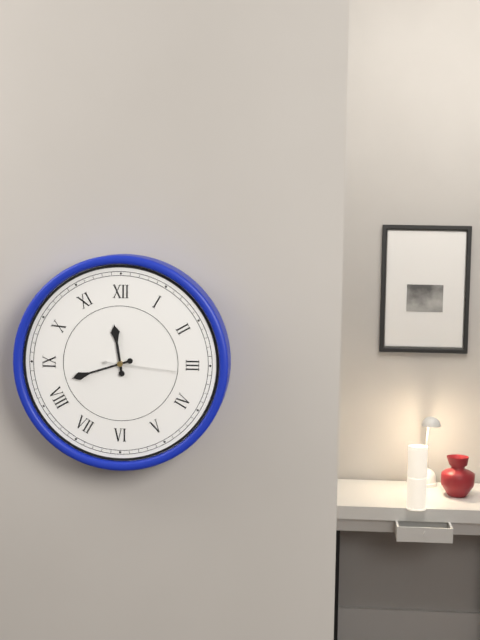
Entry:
11 h 42 min 16 s
